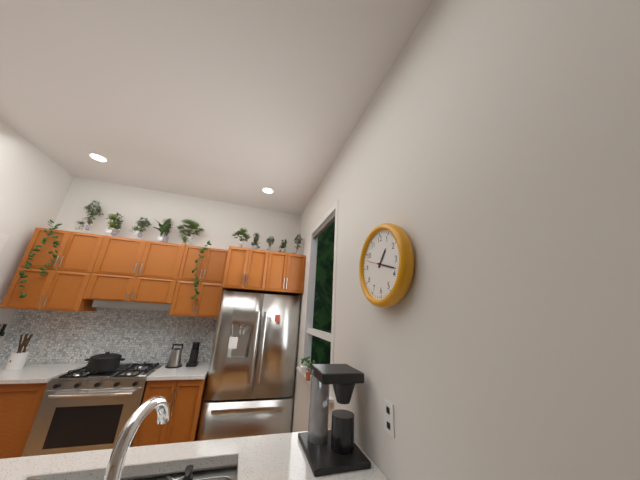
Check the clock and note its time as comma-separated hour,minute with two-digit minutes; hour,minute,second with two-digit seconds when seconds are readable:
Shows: 1,18
